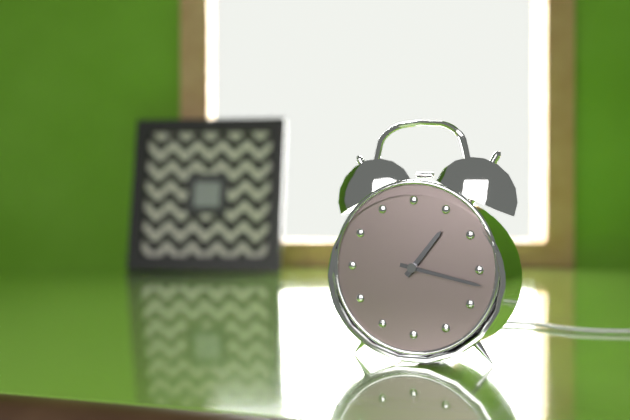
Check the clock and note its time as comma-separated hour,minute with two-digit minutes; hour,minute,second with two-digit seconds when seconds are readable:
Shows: 1,17
